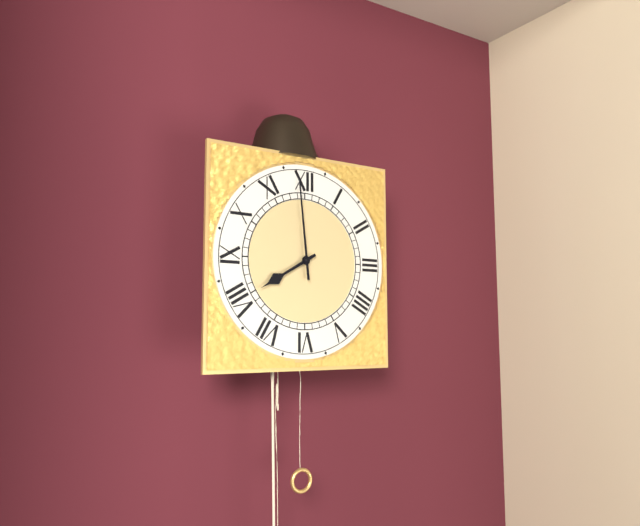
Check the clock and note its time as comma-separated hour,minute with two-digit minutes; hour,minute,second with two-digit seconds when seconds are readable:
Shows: 7,59
